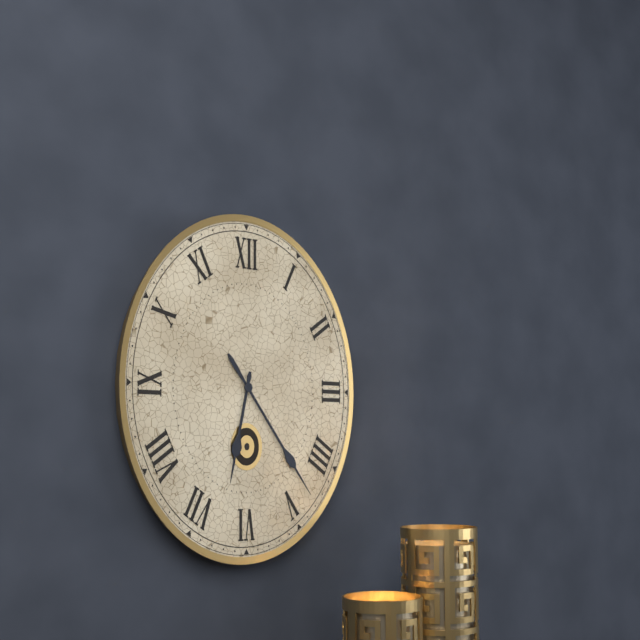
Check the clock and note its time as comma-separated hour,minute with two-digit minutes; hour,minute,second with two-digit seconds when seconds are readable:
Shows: 6,24
